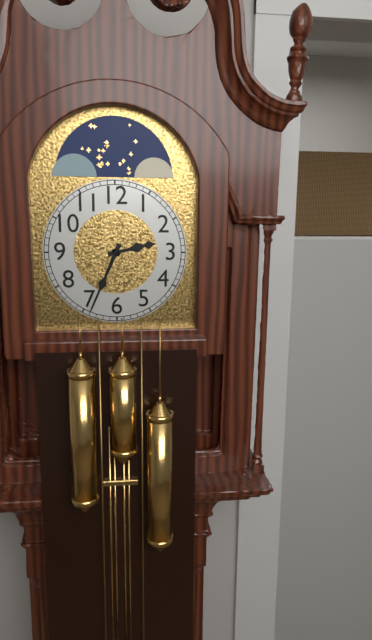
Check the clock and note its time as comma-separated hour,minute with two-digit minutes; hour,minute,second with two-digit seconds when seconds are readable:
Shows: 2,34
